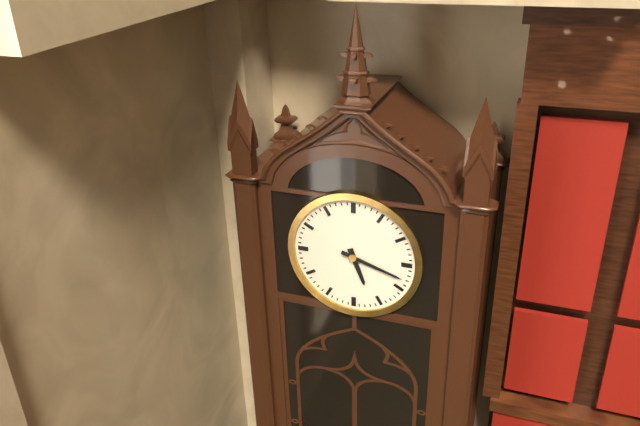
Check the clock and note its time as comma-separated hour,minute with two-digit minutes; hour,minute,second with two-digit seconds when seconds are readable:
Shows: 5,18
